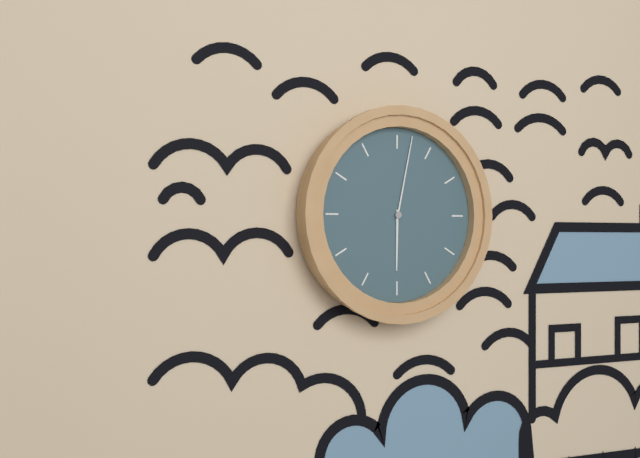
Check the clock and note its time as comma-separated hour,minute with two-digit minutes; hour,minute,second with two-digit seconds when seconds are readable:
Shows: 6,02
